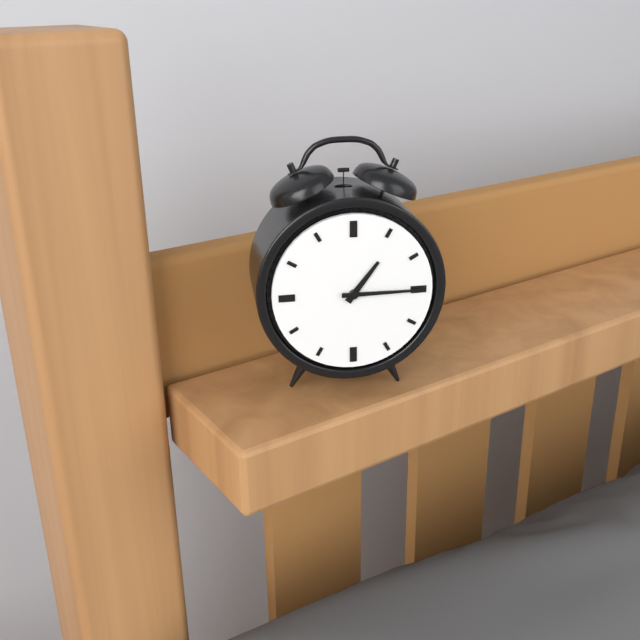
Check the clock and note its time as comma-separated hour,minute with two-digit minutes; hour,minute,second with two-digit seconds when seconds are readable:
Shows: 1,15
